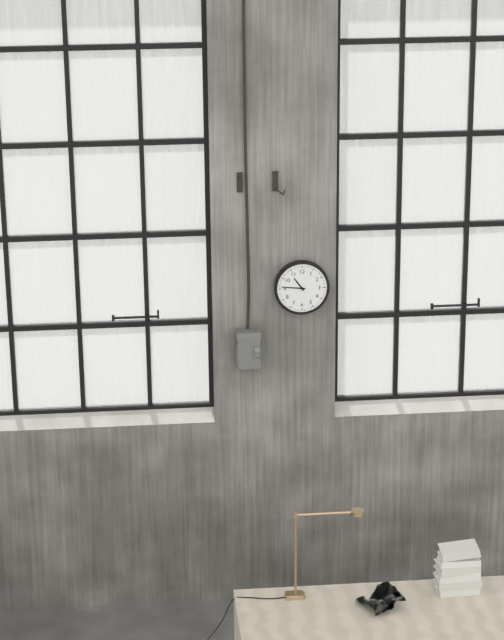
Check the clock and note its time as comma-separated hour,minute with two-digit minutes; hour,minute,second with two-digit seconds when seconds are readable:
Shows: 10,46
